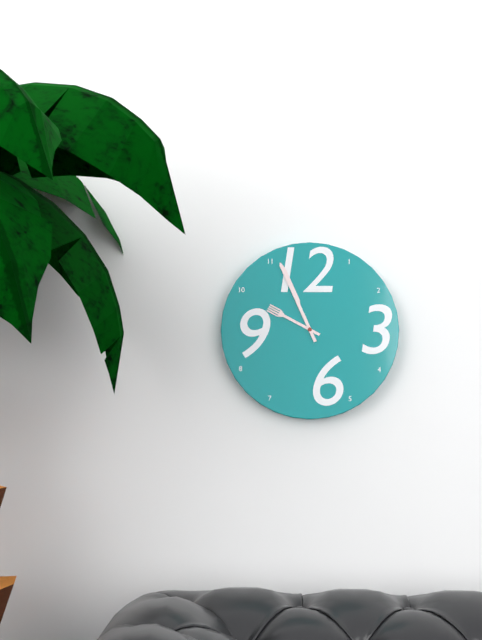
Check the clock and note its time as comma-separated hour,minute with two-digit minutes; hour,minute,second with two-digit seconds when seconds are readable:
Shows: 9,56
